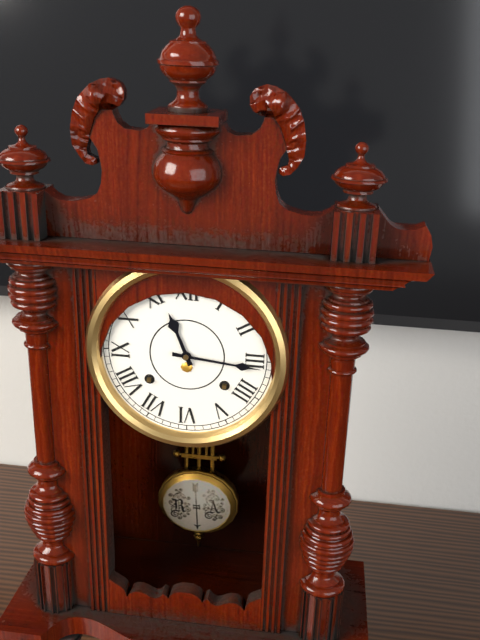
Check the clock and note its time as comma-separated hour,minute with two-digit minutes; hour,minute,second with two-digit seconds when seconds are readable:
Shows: 11,16
